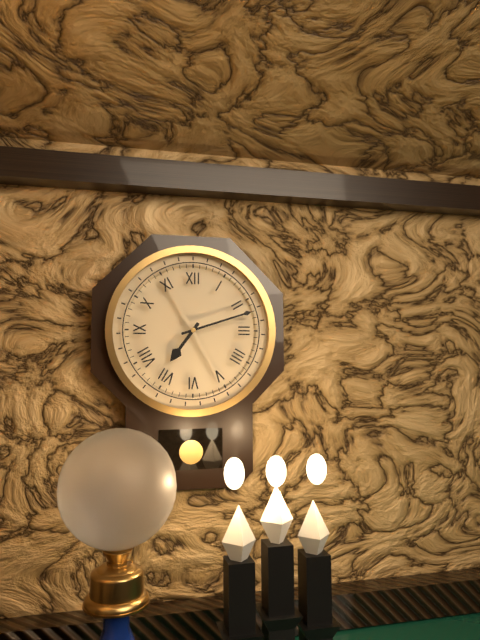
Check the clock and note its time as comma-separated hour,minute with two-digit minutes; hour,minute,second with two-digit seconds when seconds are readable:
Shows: 7,12
